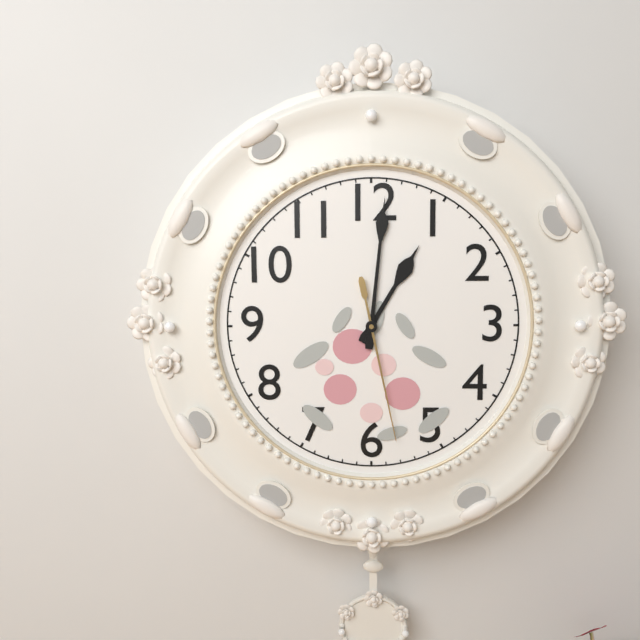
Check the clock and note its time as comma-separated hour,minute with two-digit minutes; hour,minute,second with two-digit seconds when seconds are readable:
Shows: 1,01,28
